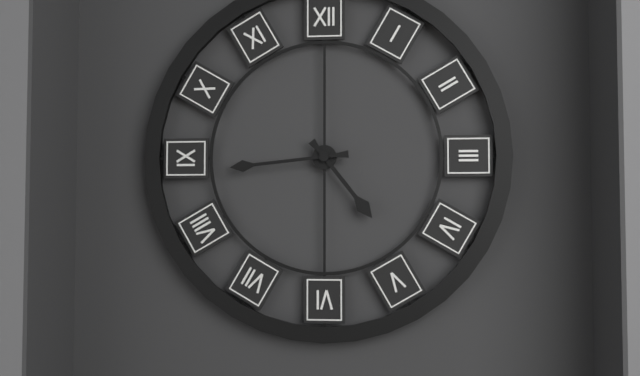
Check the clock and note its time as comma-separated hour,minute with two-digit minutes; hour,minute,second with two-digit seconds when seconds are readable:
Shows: 4,44
